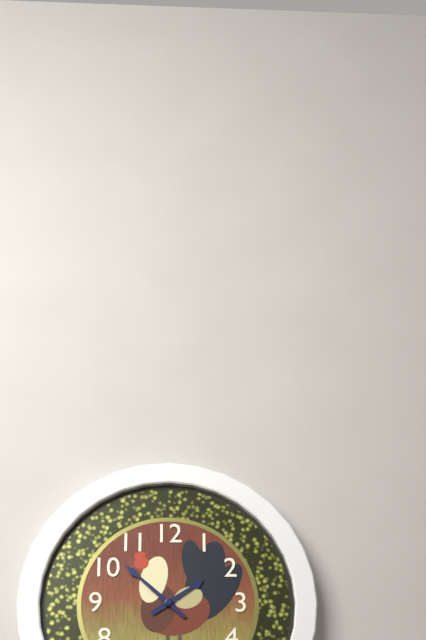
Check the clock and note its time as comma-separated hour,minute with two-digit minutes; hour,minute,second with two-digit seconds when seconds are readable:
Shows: 1,52
